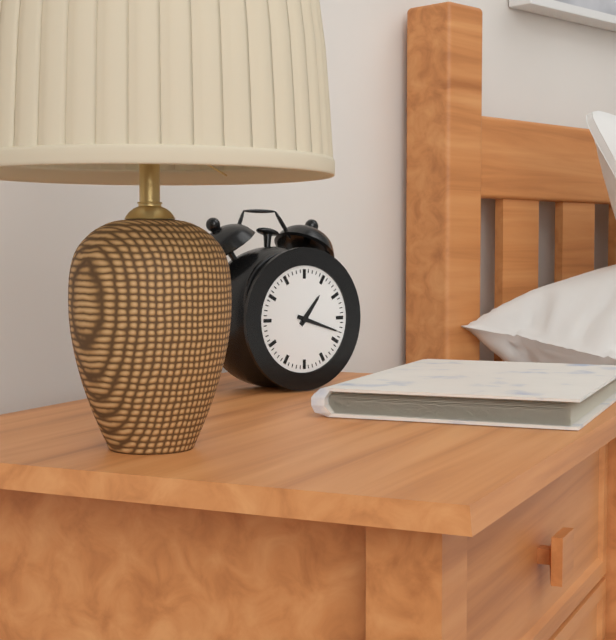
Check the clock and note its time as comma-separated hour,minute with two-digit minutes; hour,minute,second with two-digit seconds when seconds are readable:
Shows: 1,18
